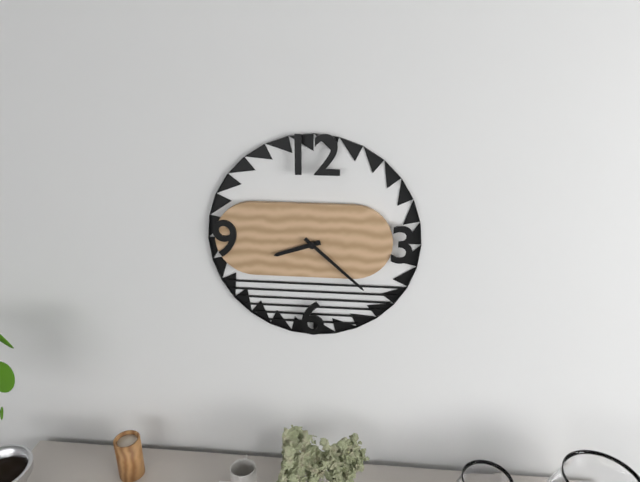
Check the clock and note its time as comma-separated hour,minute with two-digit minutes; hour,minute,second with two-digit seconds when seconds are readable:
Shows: 8,22
